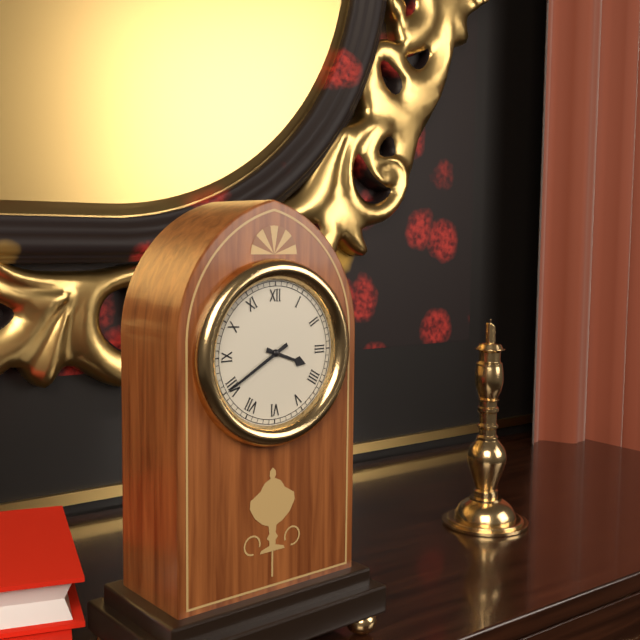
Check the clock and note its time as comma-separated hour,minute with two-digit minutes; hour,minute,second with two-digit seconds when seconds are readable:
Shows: 3,40
